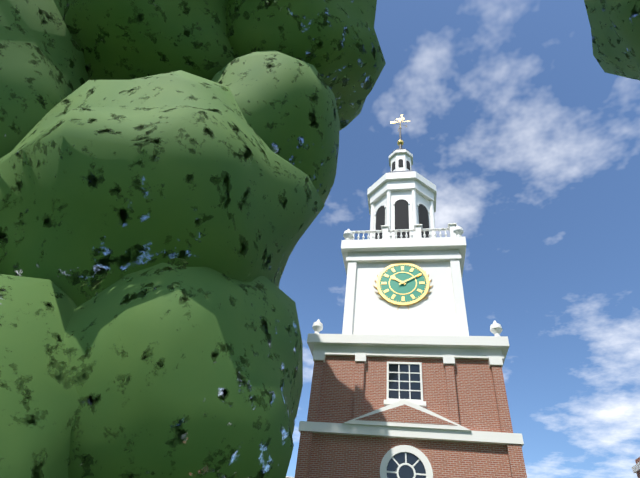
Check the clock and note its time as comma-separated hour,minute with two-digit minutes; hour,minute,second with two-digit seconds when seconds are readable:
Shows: 10,10
